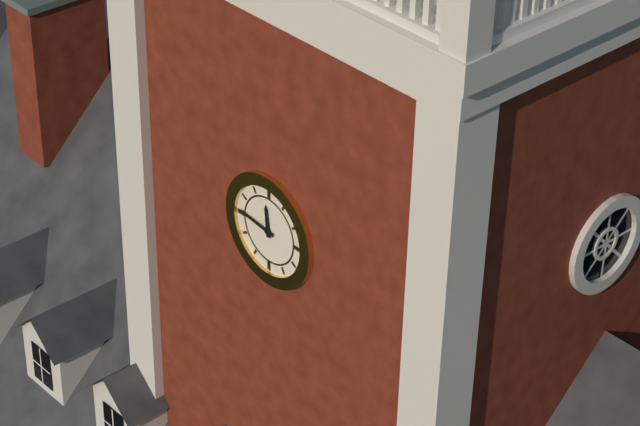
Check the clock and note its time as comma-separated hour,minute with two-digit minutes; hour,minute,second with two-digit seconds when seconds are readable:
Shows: 11,46
